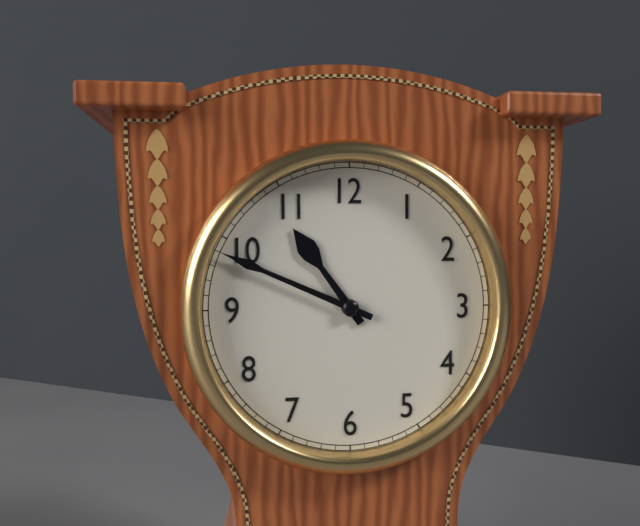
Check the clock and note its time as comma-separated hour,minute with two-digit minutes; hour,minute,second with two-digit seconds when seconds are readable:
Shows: 10,49
